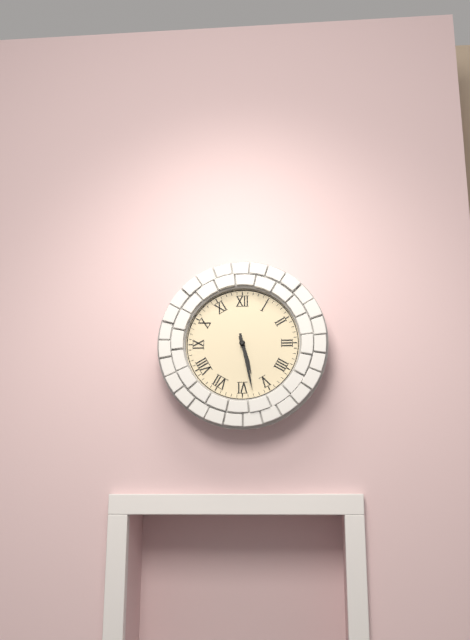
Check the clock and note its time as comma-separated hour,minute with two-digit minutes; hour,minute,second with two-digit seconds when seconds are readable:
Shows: 5,28
